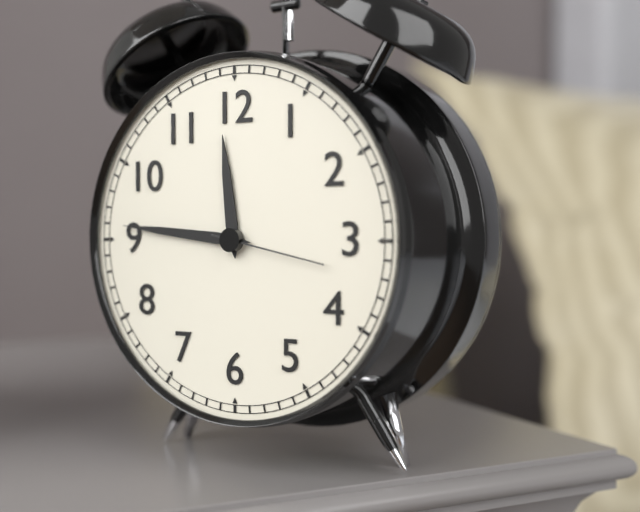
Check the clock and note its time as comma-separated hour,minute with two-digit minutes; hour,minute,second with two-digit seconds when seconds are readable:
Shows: 11,46,17
